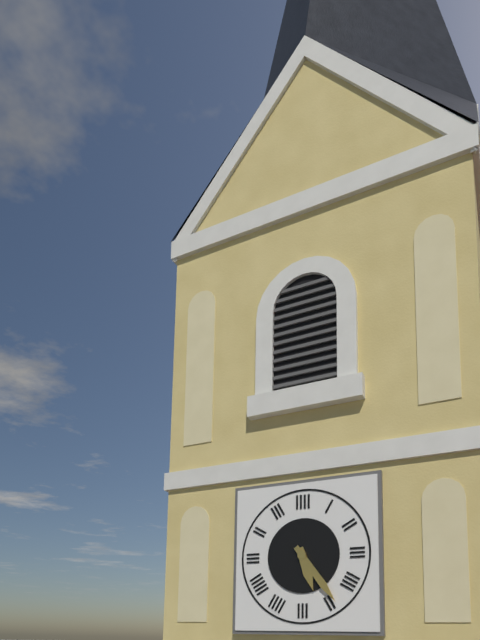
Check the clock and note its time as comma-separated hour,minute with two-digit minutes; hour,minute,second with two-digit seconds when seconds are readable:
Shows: 5,24
